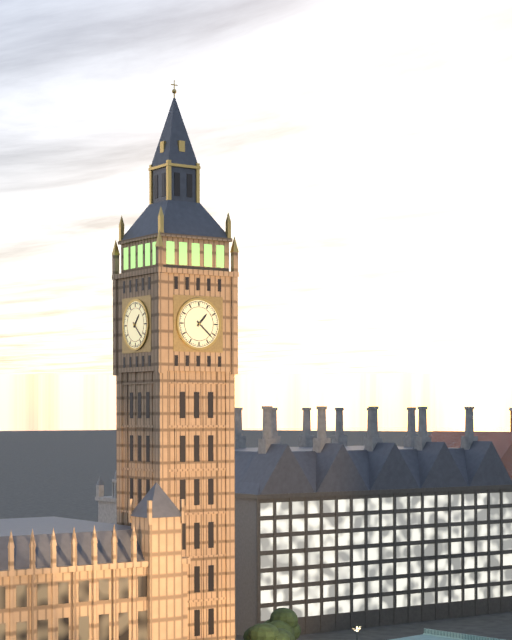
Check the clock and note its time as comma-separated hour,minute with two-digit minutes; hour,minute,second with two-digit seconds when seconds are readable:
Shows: 1,22
